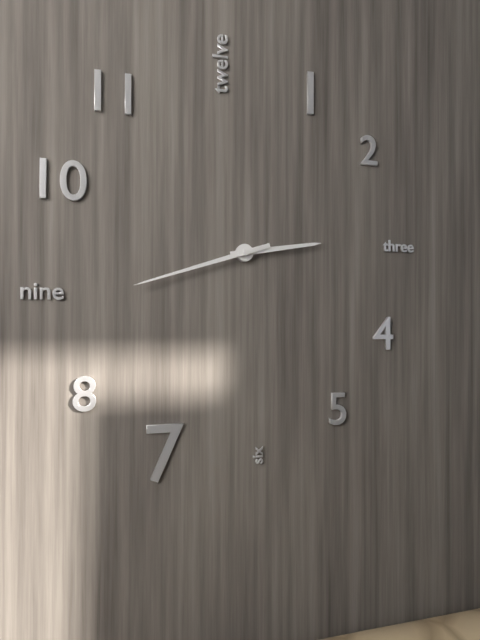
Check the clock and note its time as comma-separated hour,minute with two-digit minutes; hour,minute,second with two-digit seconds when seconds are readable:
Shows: 2,42
